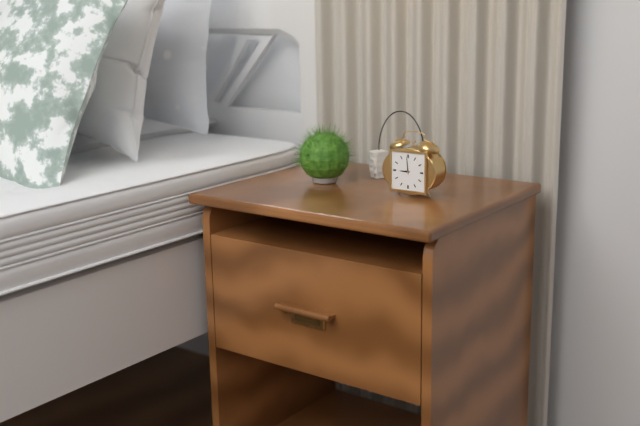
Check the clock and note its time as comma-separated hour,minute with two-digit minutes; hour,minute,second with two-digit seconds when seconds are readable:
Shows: 8,59
